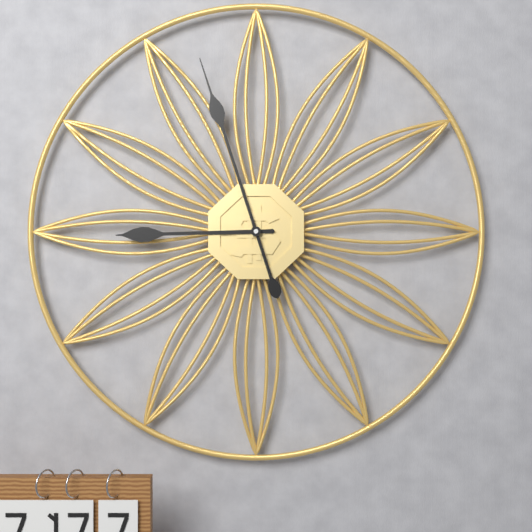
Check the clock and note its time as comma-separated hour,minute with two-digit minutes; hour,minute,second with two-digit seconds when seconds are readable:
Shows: 8,57
